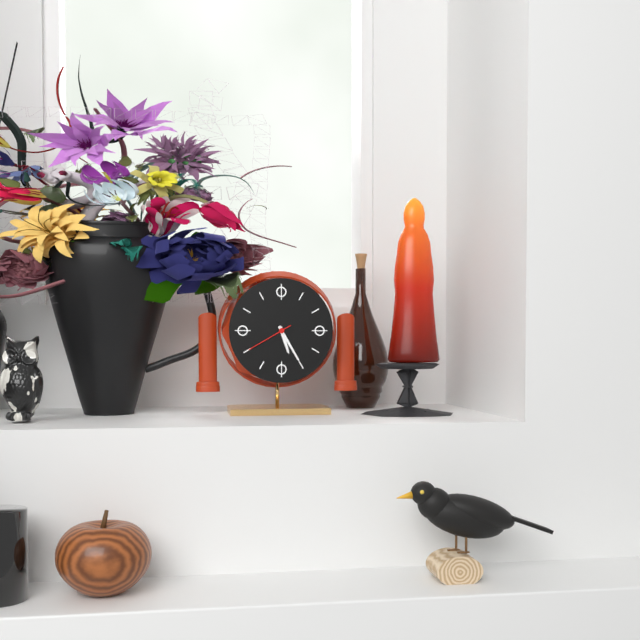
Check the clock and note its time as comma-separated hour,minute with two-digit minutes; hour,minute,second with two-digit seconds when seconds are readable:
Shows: 5,25
